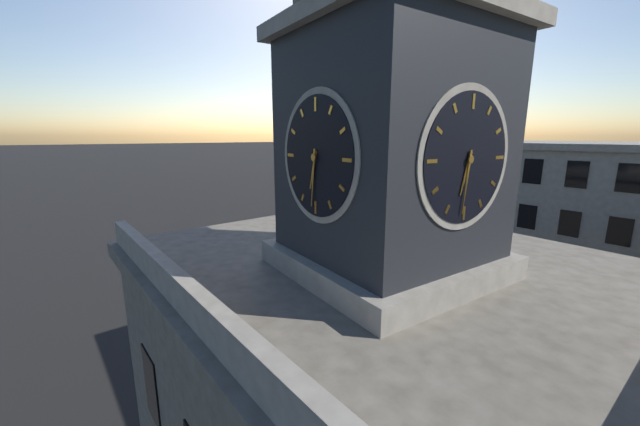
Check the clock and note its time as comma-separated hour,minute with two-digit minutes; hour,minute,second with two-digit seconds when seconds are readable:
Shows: 6,31
